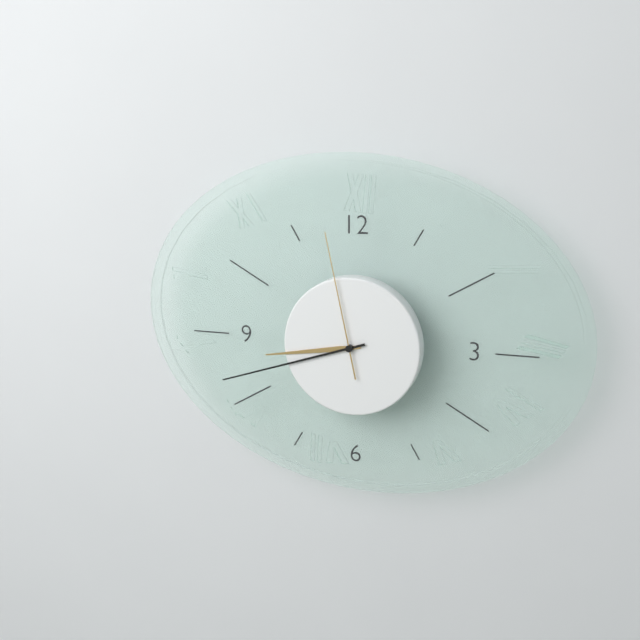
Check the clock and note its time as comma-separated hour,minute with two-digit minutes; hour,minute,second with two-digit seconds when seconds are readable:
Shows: 8,42,58
